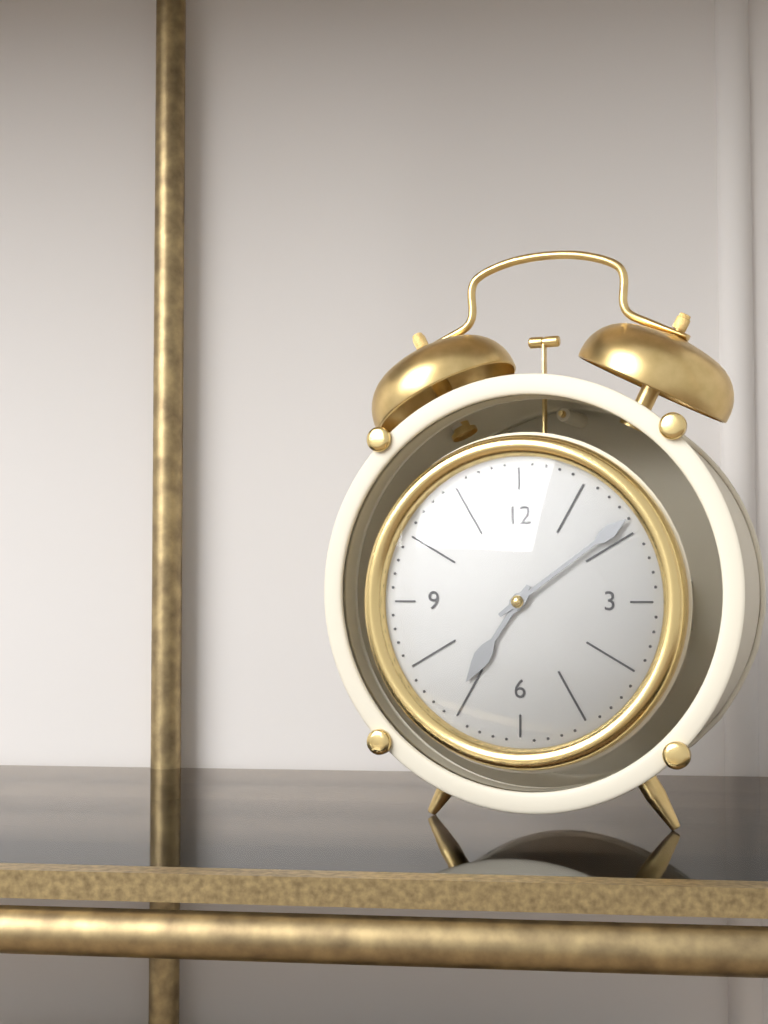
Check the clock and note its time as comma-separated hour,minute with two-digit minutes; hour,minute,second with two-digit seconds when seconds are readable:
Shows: 7,09
